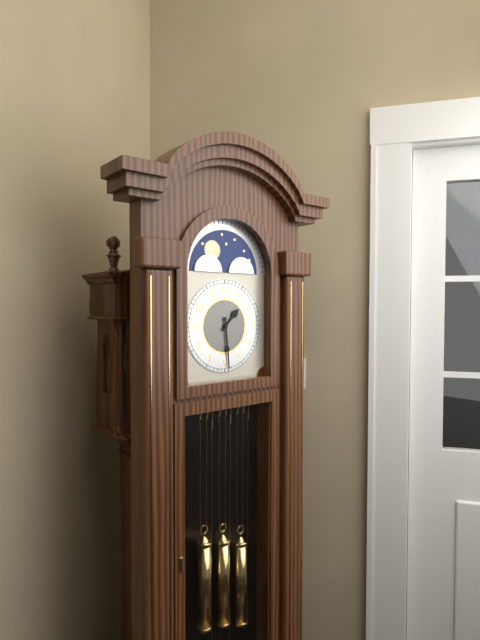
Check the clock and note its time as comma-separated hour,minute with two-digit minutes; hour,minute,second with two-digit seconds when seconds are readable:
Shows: 1,29
